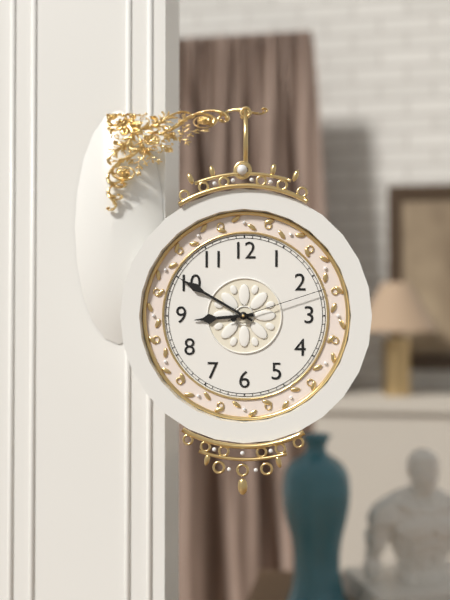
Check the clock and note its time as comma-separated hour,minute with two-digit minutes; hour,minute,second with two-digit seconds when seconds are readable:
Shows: 8,50,12
